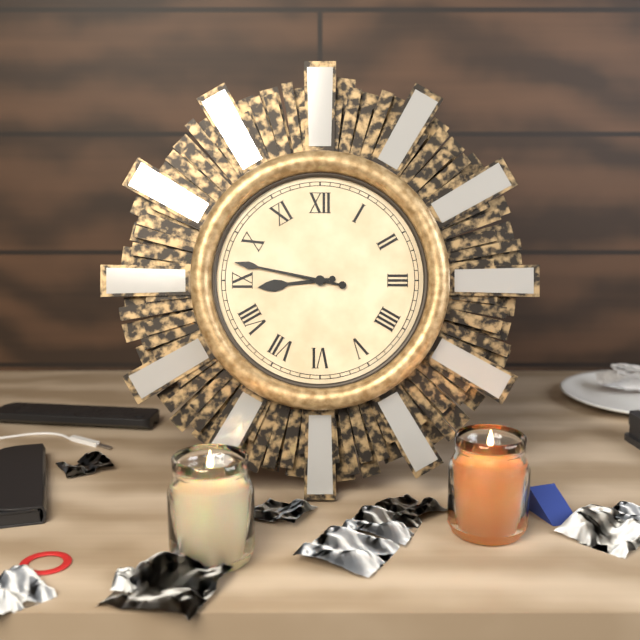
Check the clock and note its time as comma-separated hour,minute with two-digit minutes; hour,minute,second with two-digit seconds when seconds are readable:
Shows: 8,47
